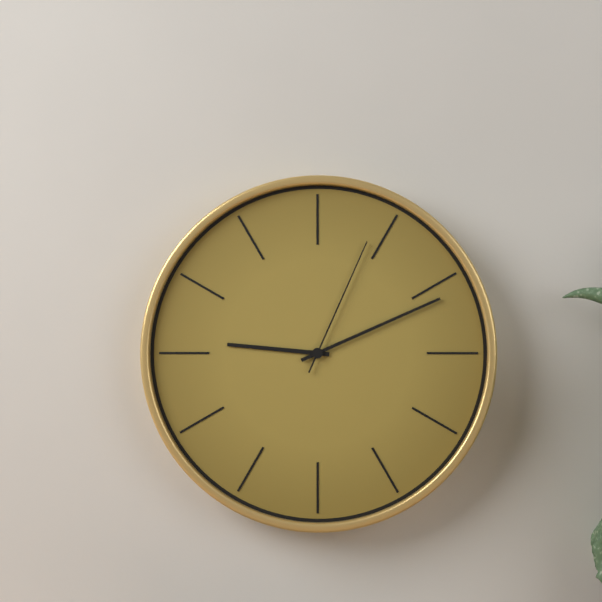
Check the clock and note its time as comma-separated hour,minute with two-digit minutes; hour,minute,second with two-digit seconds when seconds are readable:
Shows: 9,11,04
